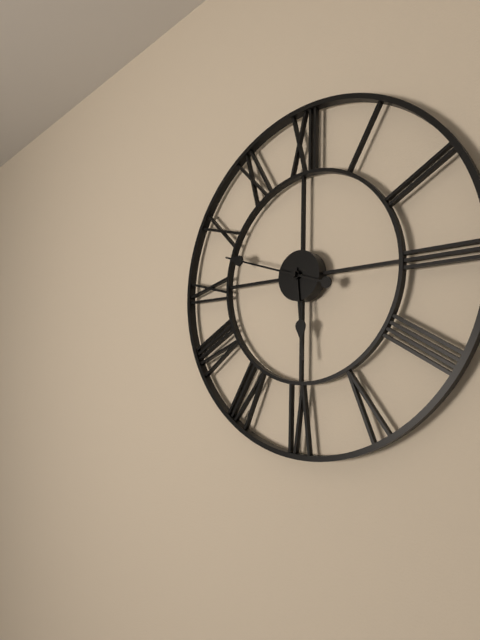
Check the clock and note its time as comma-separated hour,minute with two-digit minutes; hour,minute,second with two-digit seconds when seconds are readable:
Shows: 5,48
